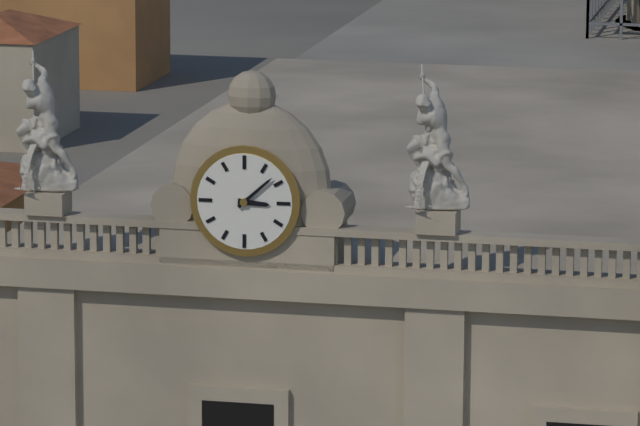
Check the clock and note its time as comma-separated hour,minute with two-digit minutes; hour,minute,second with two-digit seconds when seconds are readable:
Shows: 3,08
